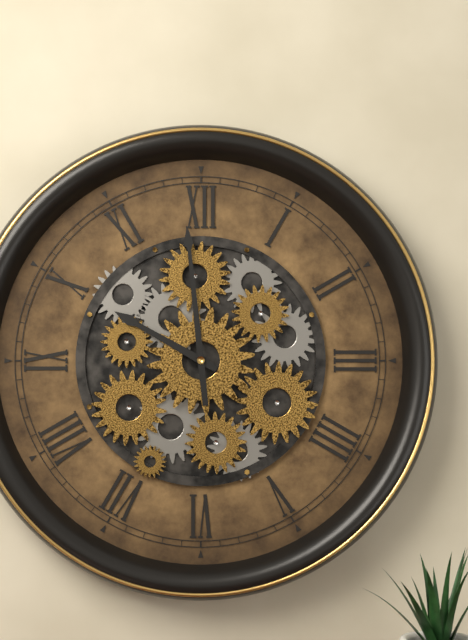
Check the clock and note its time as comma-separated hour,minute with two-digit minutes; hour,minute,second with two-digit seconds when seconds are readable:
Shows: 9,59
